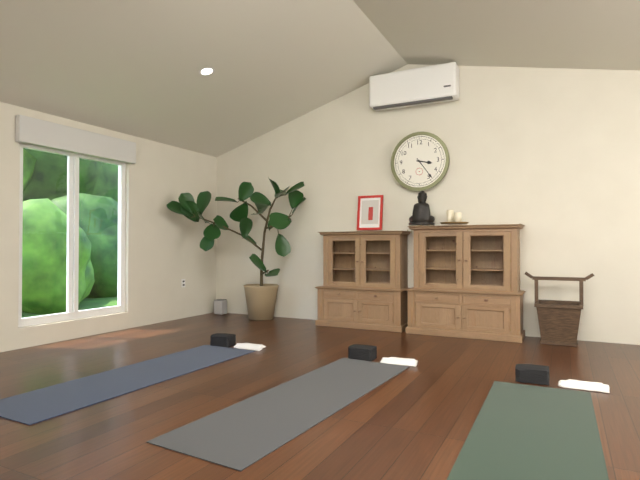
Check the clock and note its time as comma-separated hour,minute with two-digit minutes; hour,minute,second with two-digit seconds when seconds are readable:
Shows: 3,24
